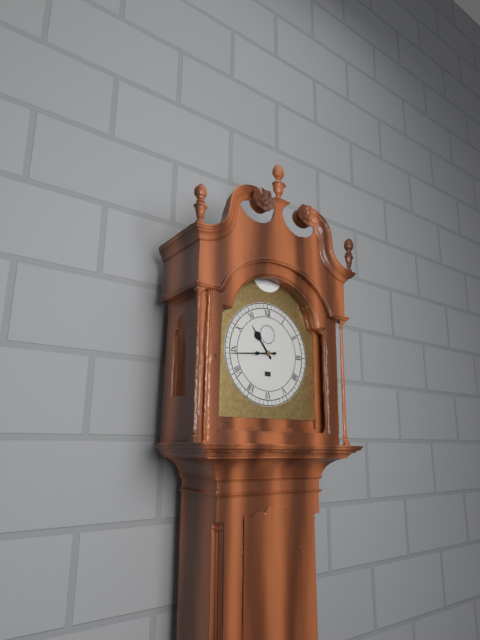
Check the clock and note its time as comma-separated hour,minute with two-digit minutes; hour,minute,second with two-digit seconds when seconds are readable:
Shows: 10,44
